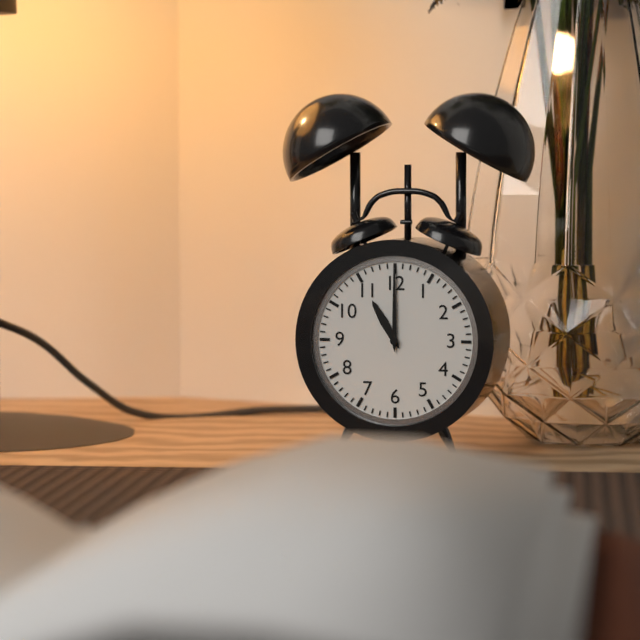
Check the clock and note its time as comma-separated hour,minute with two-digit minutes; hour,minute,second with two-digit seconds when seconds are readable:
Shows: 11,00
